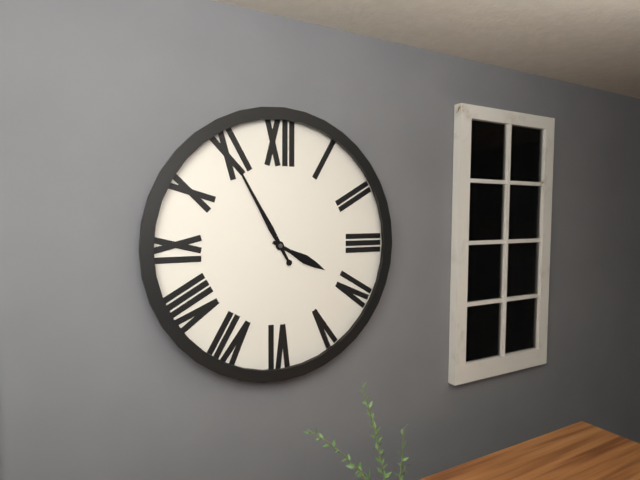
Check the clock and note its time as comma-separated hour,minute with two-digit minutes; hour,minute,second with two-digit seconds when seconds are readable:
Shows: 3,55
